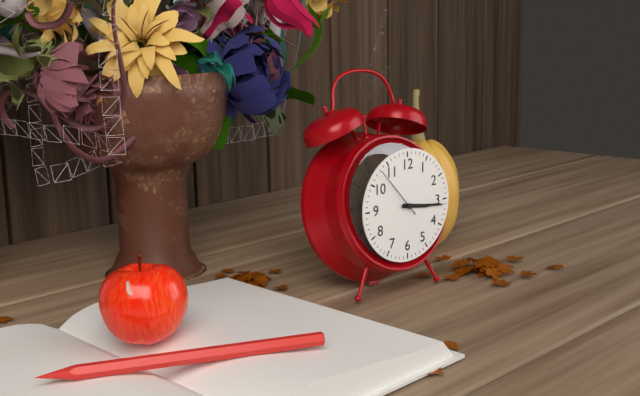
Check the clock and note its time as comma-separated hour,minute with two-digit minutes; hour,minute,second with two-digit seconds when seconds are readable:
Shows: 3,16,53
